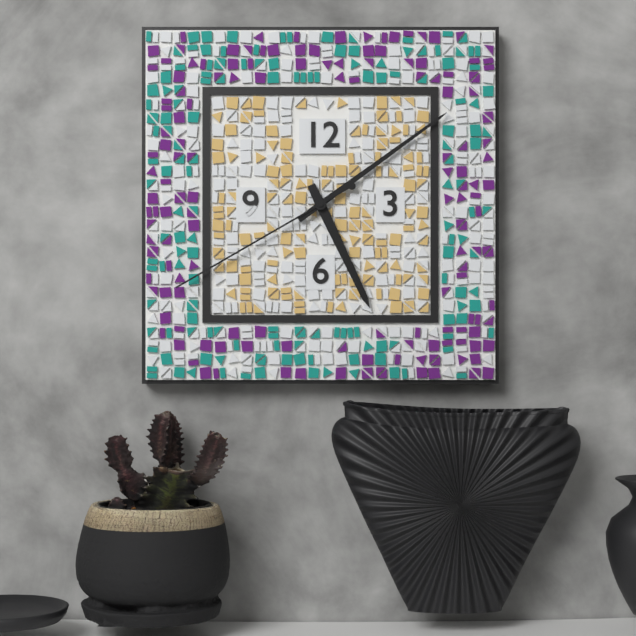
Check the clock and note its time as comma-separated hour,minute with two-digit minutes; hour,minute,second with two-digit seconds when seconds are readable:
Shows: 5,09,40
